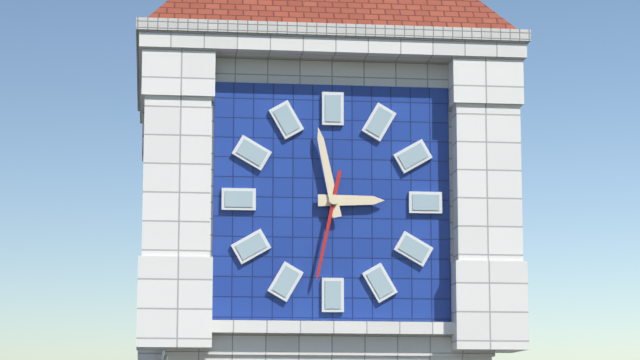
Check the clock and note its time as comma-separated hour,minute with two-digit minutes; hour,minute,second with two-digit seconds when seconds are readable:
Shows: 2,58,32
